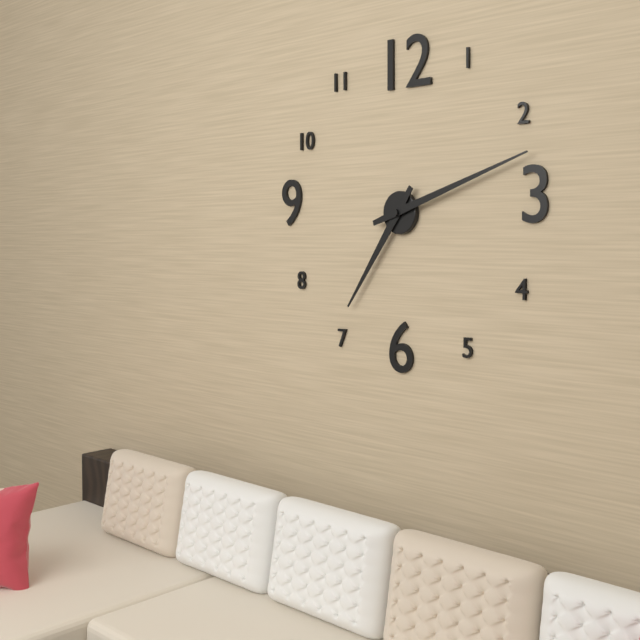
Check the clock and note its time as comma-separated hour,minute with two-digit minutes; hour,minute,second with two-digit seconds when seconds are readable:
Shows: 7,12
